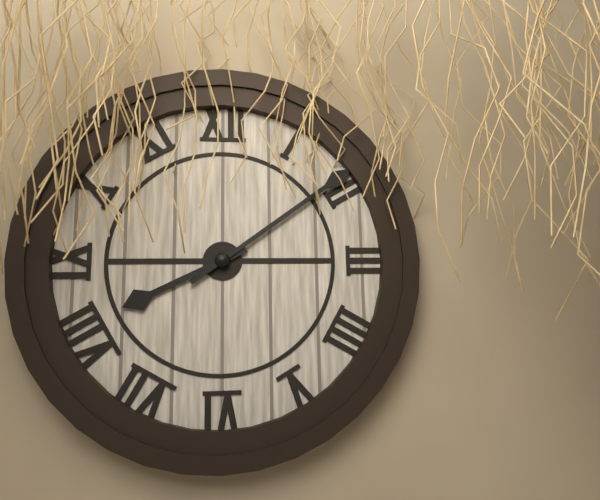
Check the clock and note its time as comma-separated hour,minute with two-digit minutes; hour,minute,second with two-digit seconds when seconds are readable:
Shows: 8,09
